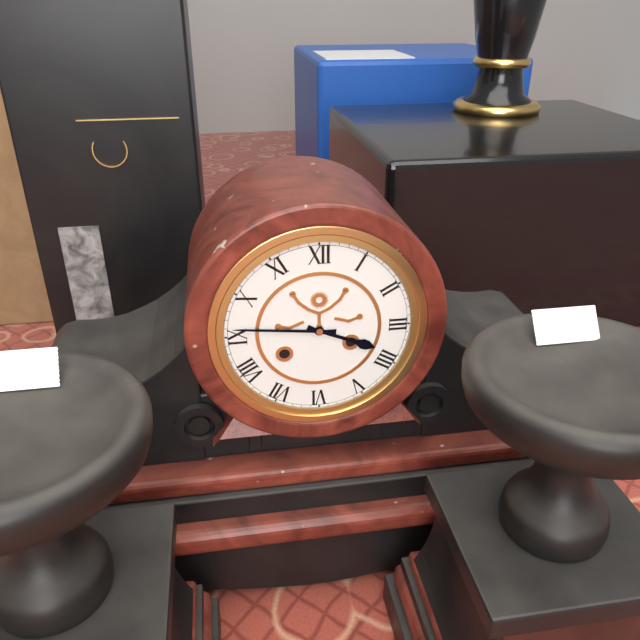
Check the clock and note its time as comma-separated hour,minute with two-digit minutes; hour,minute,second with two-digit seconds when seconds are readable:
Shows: 3,46
